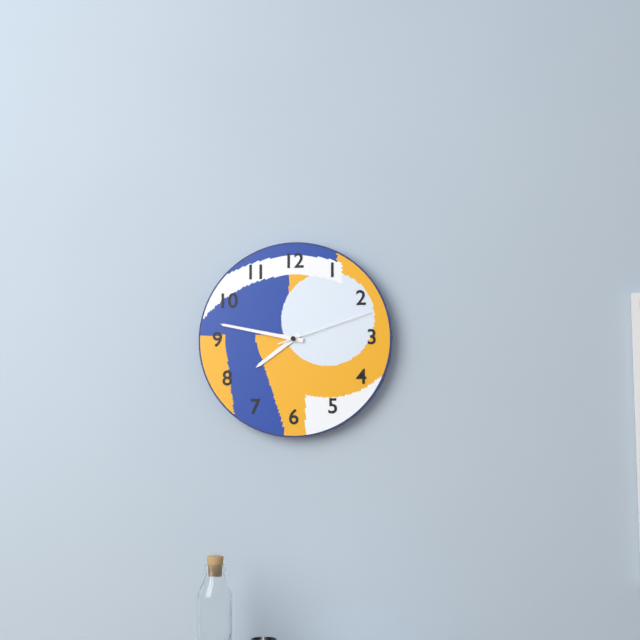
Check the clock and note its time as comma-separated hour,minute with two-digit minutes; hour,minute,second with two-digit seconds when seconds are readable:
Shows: 7,47,12
